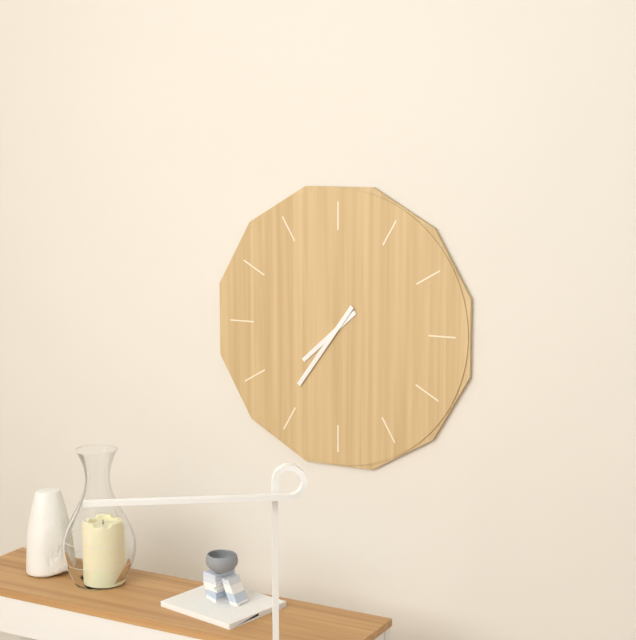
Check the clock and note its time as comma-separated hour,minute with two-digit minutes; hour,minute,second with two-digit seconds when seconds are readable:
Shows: 7,36
